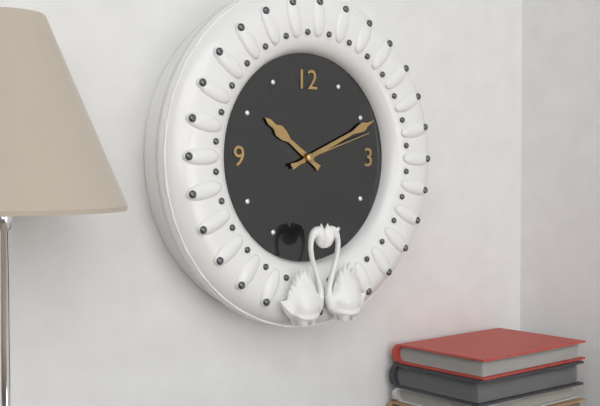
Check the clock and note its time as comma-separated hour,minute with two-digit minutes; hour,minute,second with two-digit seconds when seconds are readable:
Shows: 10,11,12
